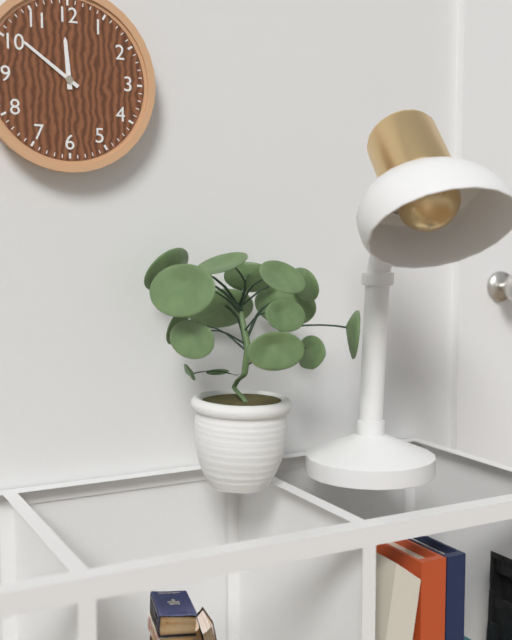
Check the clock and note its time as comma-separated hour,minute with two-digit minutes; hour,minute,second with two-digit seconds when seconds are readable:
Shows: 11,51
